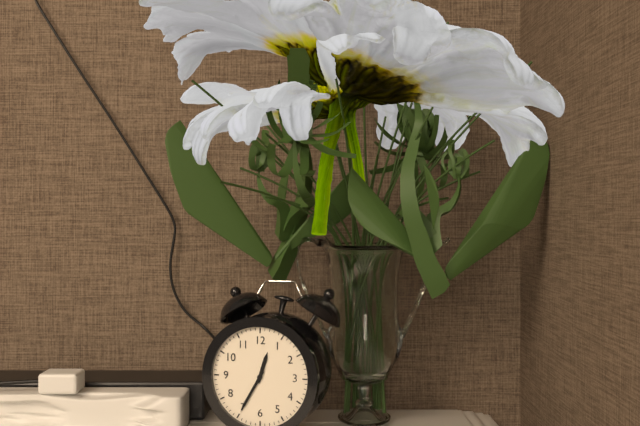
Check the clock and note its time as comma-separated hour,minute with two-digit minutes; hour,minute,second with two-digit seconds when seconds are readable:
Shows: 12,35
